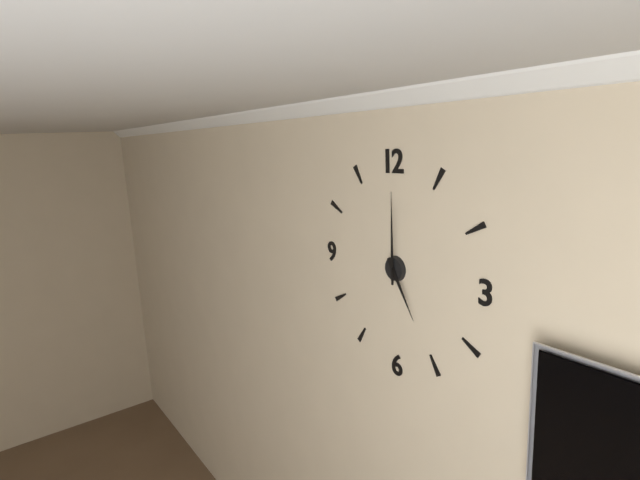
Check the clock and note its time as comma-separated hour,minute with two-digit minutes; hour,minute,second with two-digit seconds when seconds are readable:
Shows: 5,00
